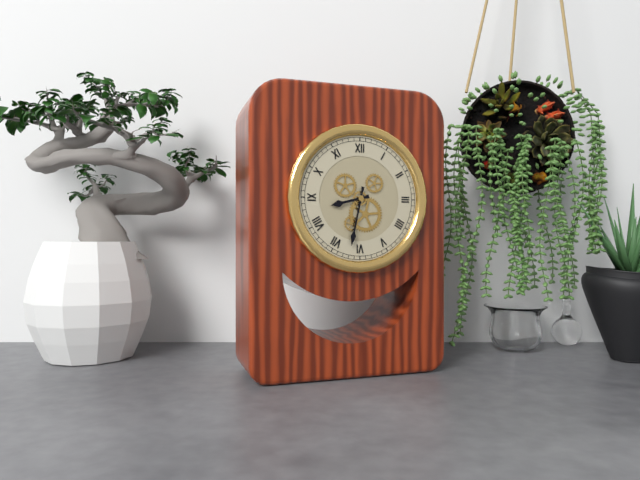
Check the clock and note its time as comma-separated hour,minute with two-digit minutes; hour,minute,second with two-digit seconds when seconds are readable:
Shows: 8,32
